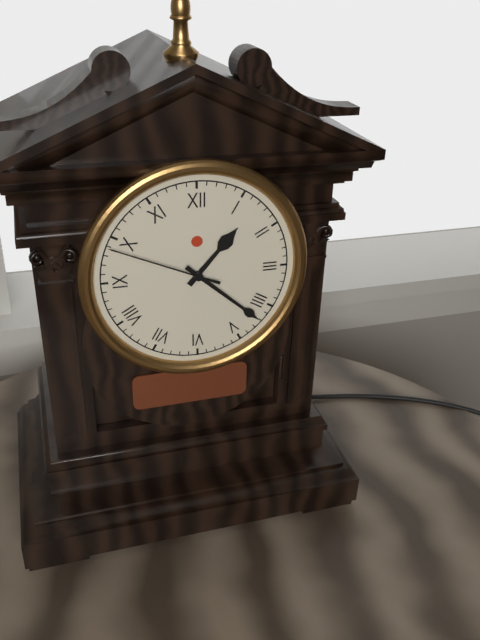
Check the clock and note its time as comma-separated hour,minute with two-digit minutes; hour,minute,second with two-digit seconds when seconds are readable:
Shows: 1,22,49
